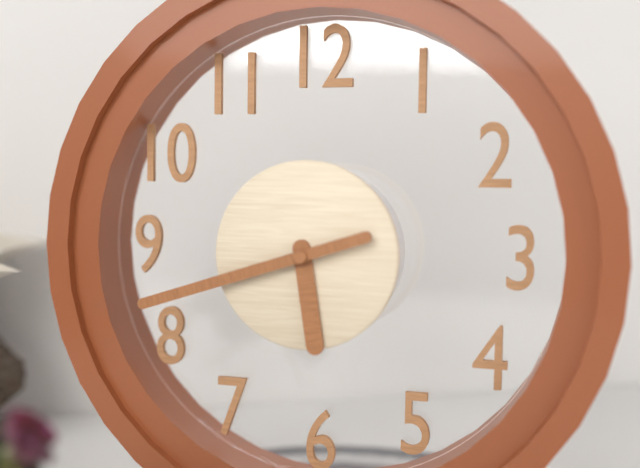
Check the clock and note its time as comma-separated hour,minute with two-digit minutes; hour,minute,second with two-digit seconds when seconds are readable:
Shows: 5,42
